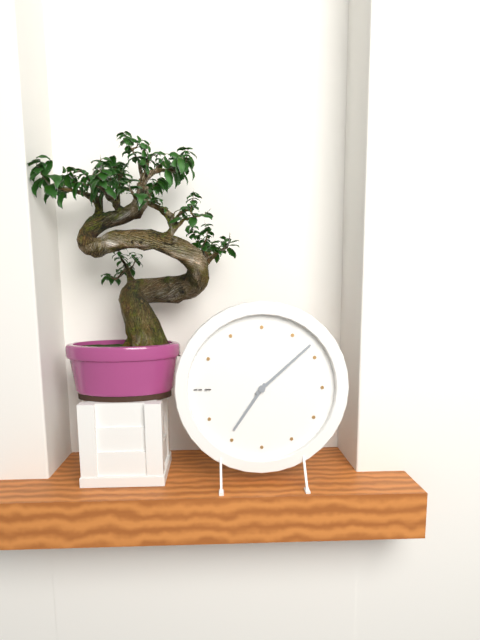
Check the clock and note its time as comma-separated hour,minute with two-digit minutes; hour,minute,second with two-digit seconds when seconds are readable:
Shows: 7,08
